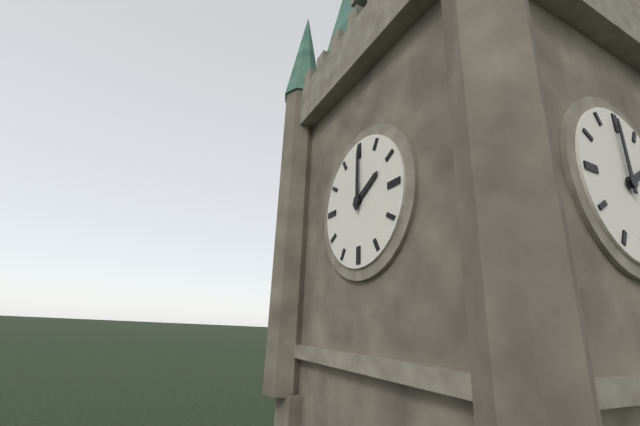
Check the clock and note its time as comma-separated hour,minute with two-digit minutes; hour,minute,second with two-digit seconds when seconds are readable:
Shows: 2,00
